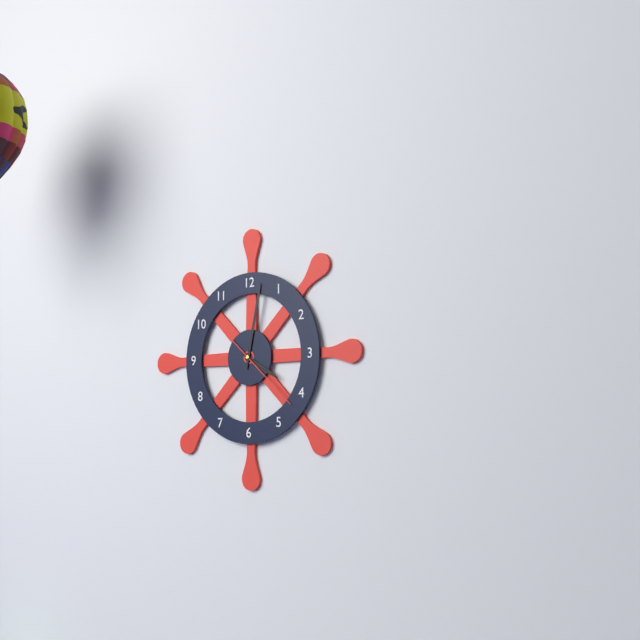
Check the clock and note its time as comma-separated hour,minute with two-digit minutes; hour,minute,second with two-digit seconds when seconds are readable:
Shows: 4,02,22
